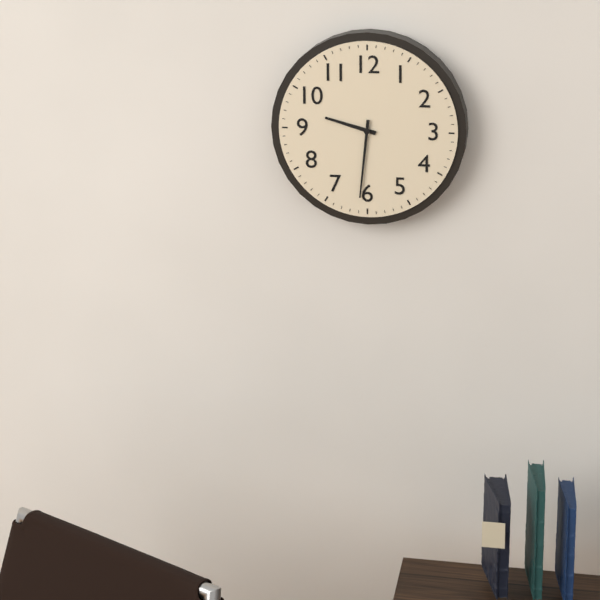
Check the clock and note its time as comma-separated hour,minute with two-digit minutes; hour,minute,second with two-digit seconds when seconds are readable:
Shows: 9,31
